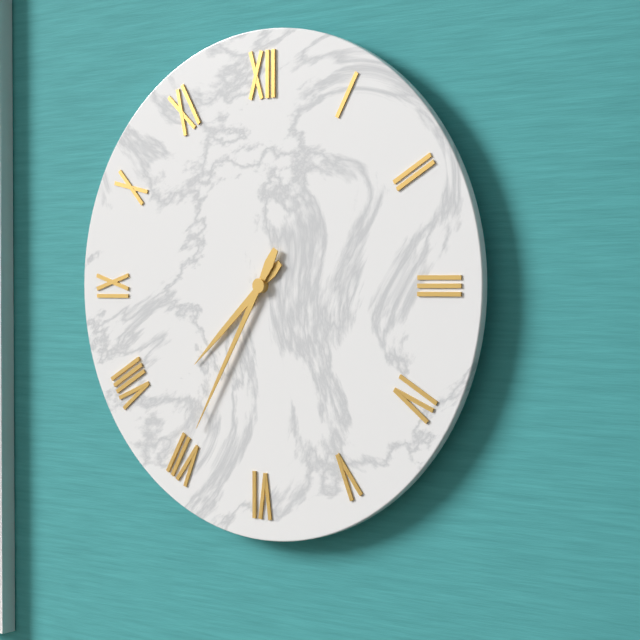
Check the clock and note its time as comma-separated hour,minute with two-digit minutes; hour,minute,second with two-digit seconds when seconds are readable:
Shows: 7,35
